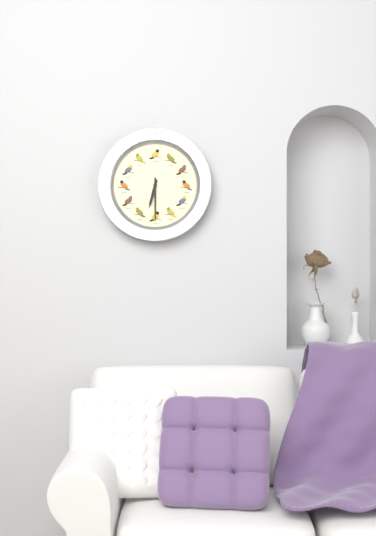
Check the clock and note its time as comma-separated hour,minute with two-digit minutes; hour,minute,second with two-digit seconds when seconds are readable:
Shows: 6,30
